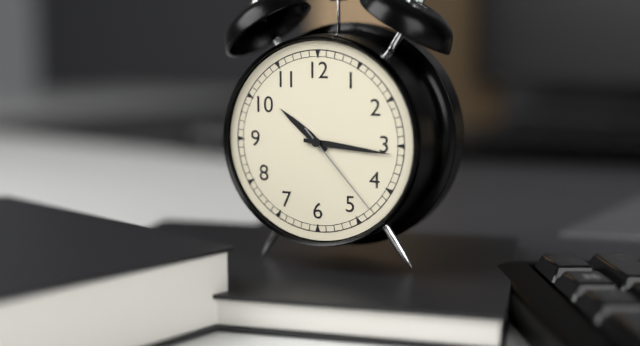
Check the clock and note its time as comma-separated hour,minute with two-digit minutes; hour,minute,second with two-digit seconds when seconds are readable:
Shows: 10,16,23
